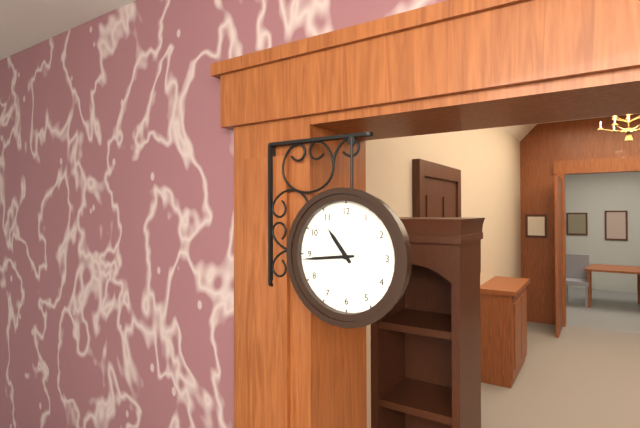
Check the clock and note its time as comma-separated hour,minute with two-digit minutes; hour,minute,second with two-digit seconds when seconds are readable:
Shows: 10,44
